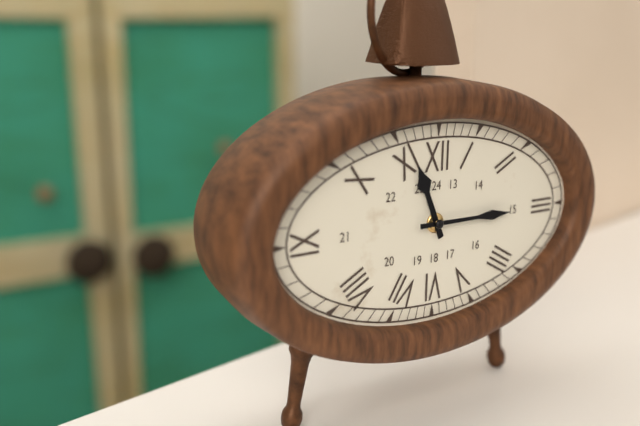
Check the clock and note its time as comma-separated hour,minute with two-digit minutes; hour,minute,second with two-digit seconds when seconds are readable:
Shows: 11,15
